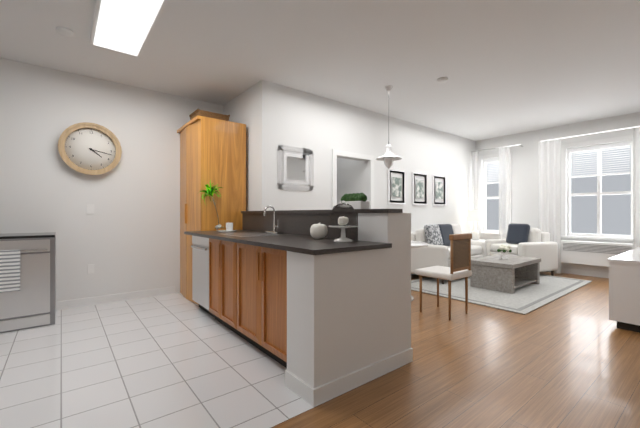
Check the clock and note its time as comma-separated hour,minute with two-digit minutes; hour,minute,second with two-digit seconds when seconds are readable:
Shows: 4,17
